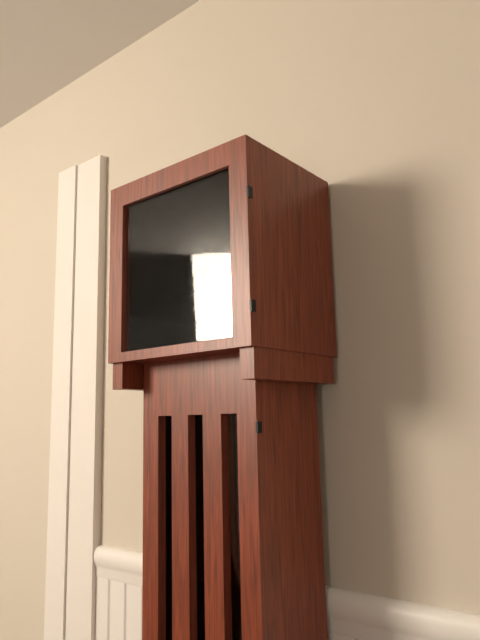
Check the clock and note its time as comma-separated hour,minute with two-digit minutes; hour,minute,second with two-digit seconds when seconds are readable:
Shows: 9,54
